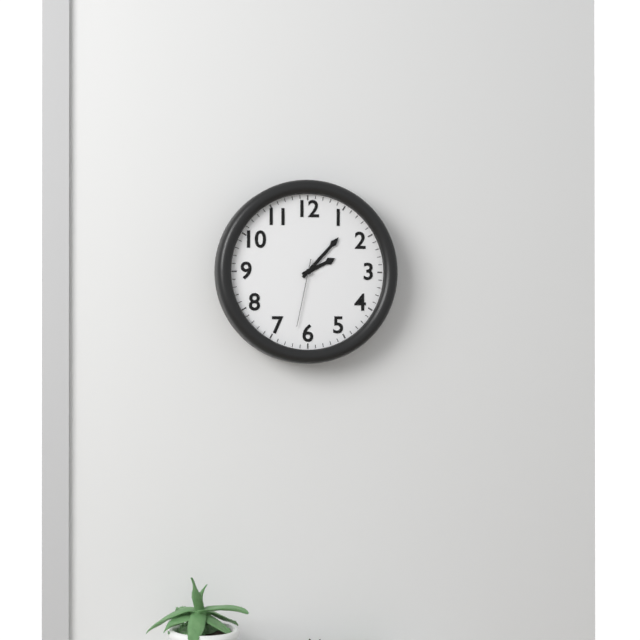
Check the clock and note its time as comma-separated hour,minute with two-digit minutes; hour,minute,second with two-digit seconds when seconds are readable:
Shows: 2,07,32
